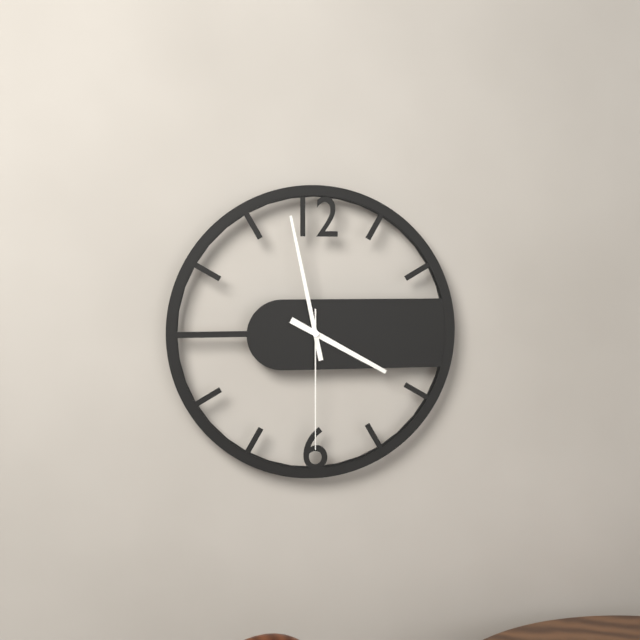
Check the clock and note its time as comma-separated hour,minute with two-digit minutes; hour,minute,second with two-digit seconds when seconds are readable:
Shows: 3,58,30
